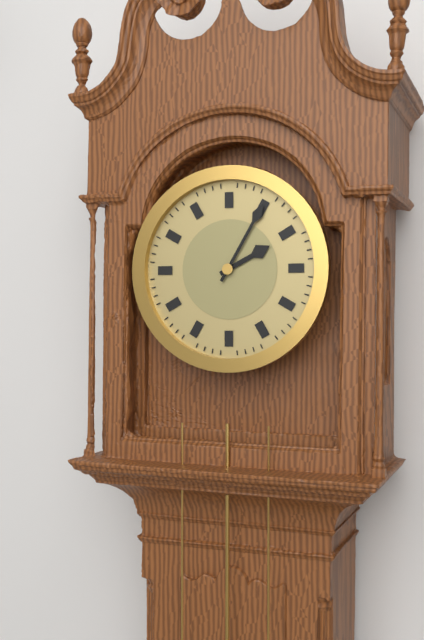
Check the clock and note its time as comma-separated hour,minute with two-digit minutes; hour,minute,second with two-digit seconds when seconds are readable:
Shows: 2,05
